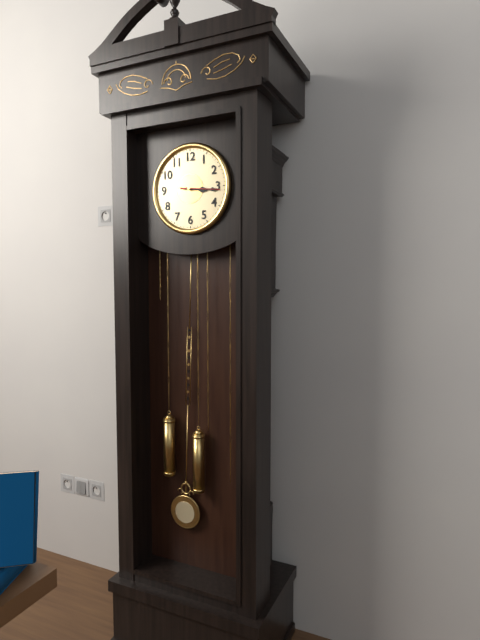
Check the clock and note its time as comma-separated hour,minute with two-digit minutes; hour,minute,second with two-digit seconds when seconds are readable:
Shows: 3,16
